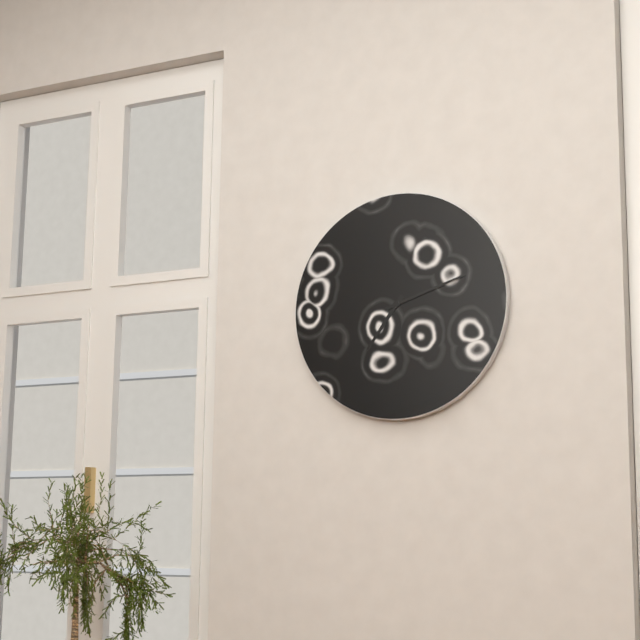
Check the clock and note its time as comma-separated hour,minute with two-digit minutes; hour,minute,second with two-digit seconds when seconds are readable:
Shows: 7,12
